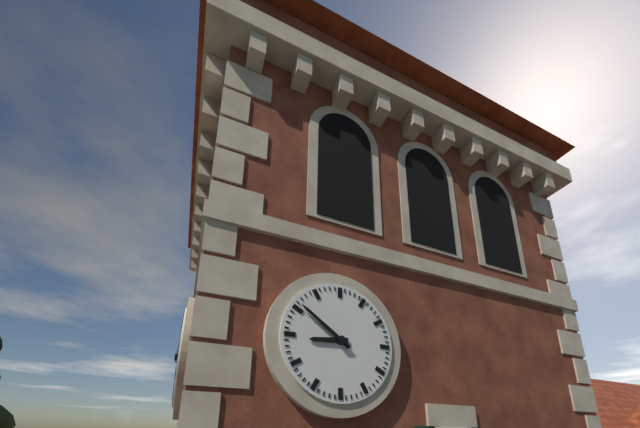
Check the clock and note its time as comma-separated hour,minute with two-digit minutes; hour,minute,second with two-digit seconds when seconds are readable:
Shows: 8,51
